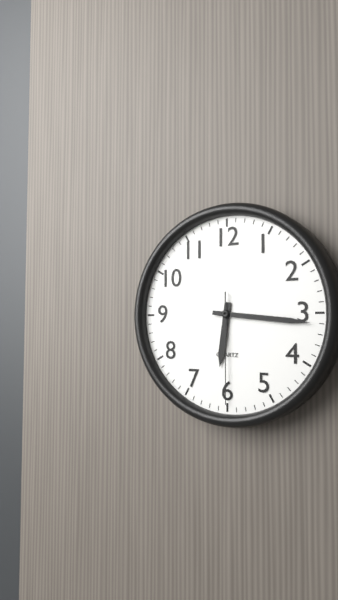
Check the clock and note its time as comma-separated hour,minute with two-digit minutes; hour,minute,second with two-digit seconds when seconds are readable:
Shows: 6,16,30
